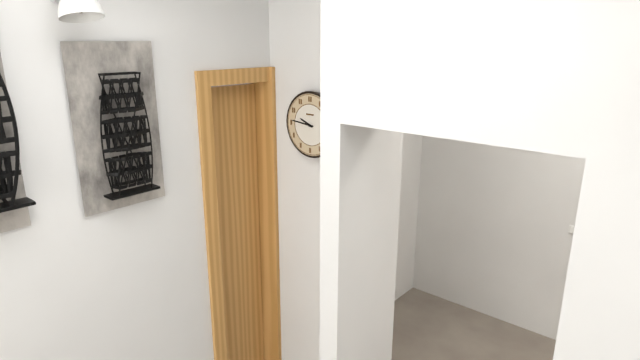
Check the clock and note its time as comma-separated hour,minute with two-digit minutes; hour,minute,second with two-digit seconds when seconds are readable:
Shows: 9,46
